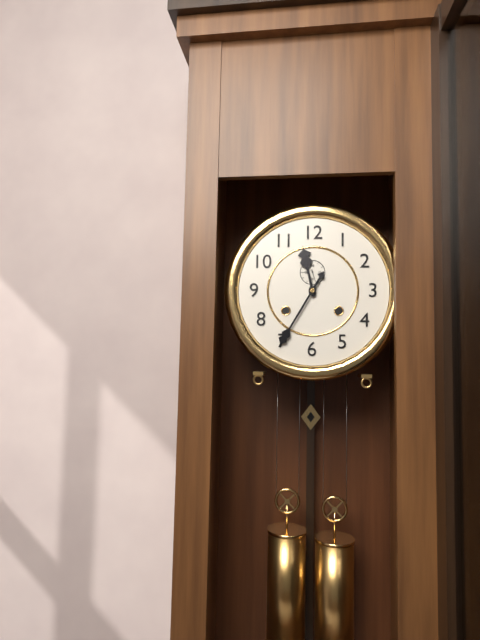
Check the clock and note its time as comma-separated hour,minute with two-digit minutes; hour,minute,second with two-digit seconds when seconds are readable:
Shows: 11,35
